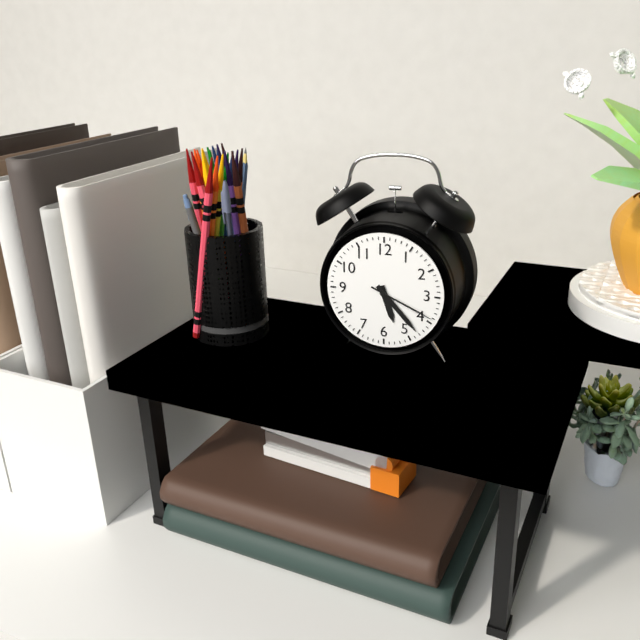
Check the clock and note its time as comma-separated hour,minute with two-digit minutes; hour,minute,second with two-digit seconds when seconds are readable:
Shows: 5,23,19
